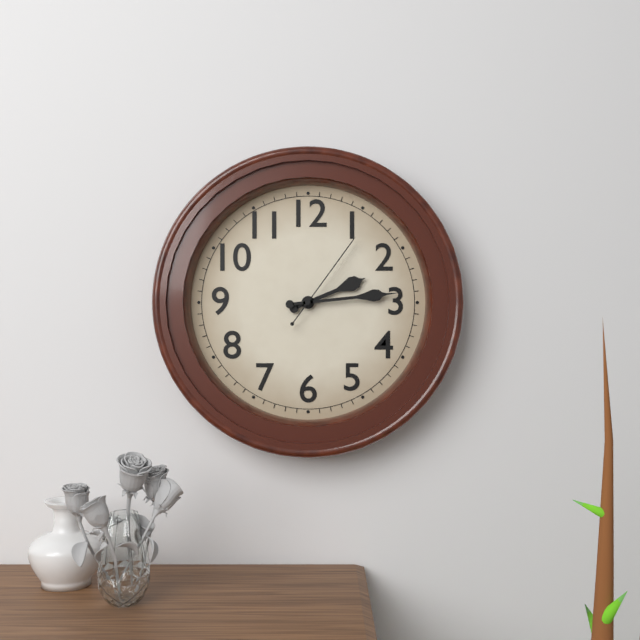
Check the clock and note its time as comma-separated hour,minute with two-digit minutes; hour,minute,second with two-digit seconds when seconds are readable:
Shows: 2,14,06
